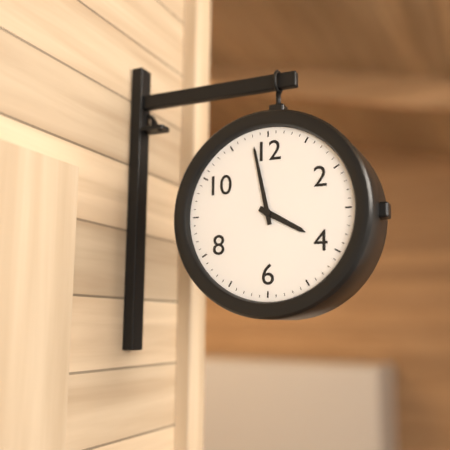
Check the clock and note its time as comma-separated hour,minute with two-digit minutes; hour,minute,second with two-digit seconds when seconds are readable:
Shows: 3,58
